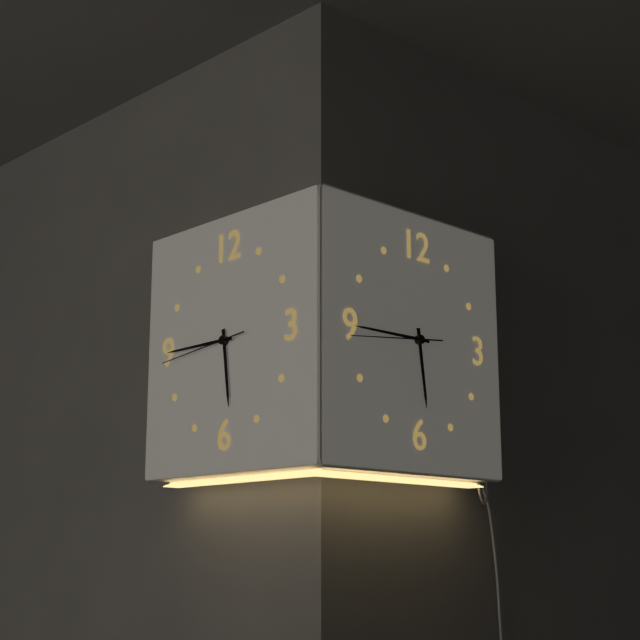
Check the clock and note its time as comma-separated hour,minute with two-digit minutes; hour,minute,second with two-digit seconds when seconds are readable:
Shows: 5,45,44
